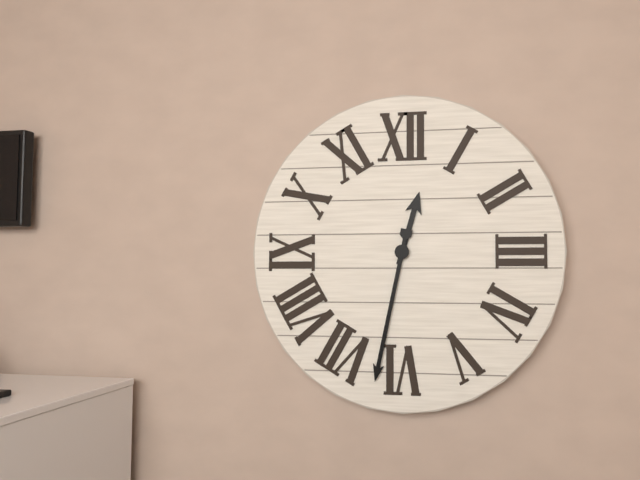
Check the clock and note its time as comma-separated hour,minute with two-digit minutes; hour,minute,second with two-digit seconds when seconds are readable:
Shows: 12,32
